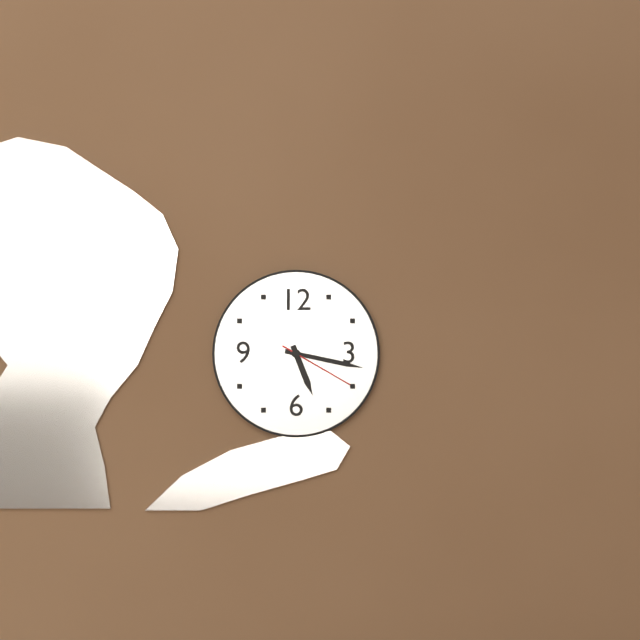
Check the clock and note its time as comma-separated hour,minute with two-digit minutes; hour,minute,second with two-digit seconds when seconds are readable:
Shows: 5,17,20
